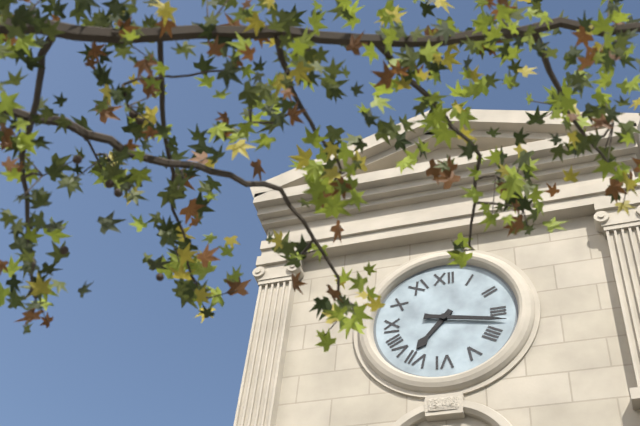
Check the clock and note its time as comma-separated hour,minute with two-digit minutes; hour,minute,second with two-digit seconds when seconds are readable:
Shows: 7,17
